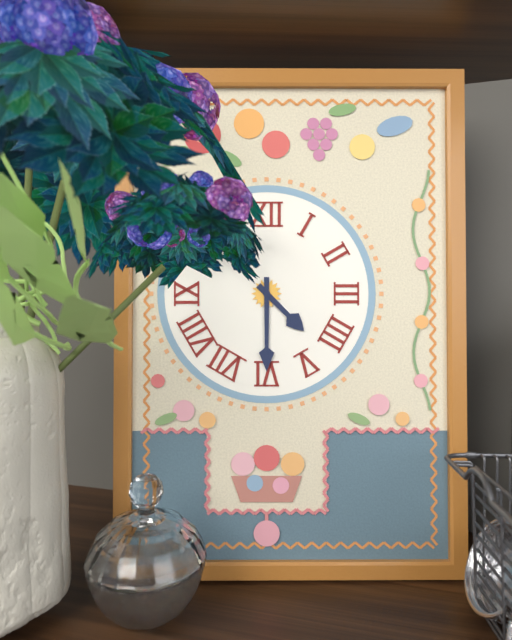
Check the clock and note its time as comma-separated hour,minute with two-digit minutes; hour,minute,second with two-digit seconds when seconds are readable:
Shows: 4,30
